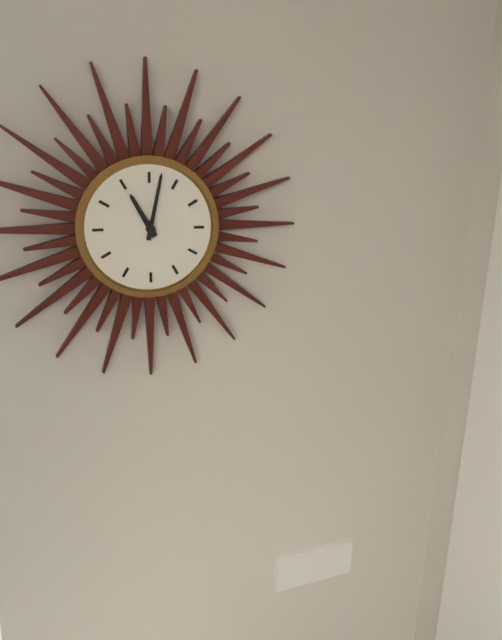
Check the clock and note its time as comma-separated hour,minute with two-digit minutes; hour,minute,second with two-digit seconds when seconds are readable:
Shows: 11,02
